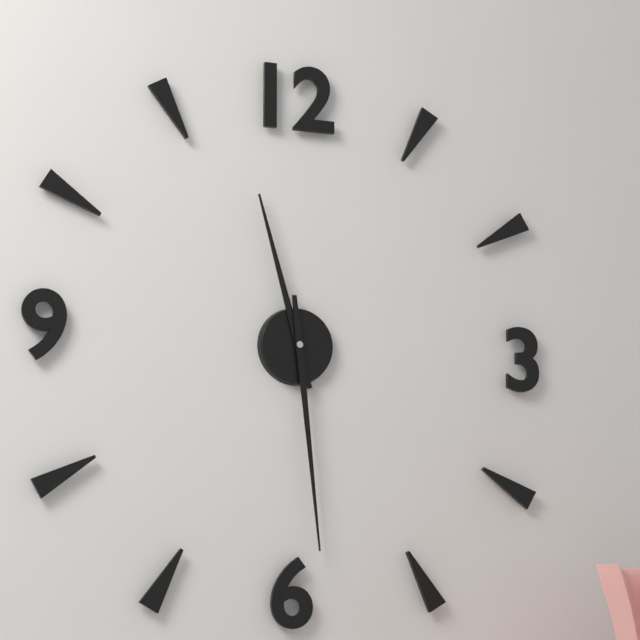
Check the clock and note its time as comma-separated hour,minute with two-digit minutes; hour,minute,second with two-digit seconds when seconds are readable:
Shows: 11,29
